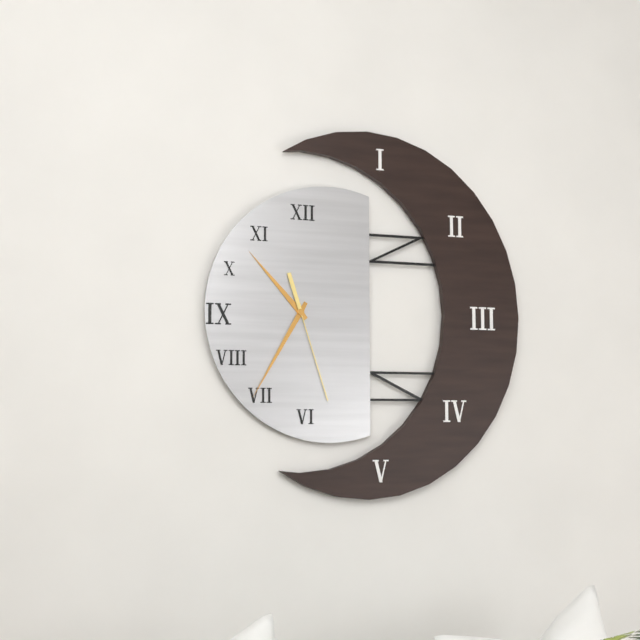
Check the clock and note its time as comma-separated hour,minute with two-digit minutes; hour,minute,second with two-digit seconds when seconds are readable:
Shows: 10,35,27
